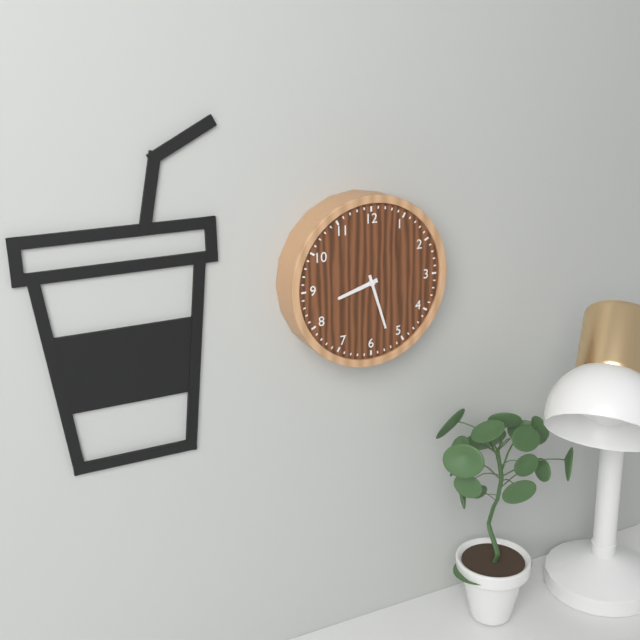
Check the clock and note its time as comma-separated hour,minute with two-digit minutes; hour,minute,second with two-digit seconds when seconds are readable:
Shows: 8,27
